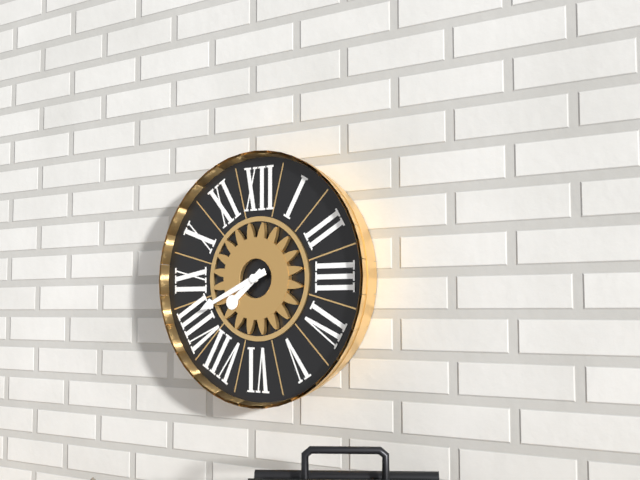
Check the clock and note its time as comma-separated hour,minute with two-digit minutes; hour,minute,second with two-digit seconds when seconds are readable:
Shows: 7,41
